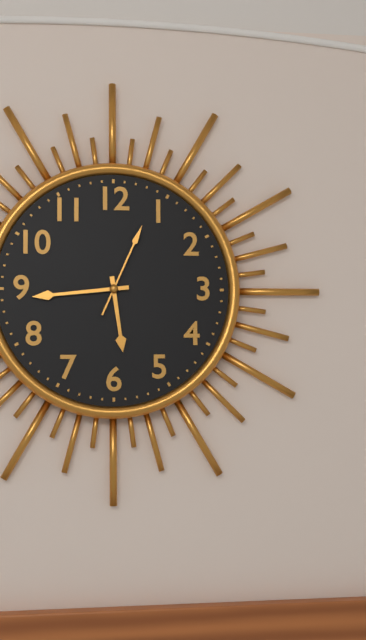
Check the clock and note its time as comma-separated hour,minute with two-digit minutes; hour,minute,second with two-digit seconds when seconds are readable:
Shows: 5,44,04
